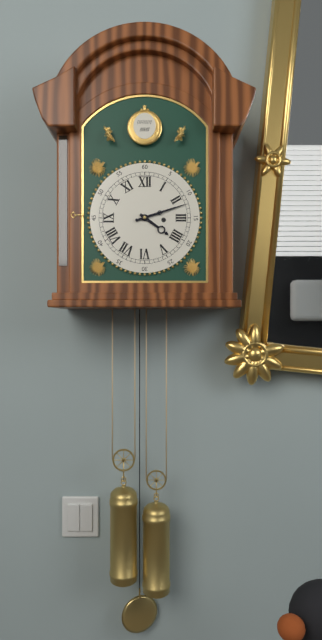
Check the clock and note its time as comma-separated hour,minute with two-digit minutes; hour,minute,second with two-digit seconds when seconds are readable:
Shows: 4,12
